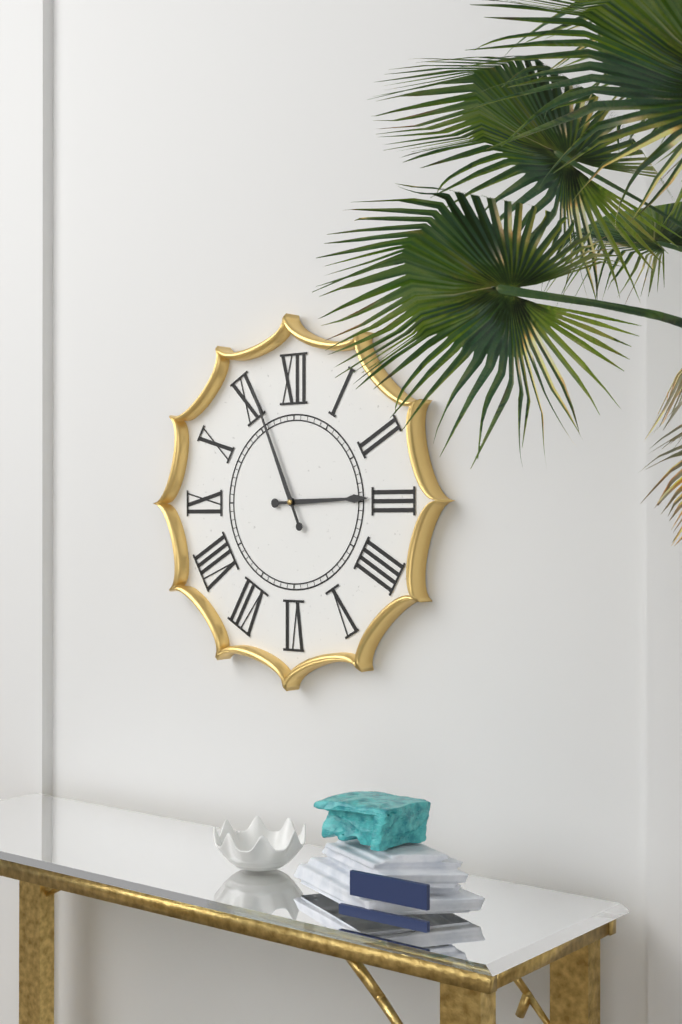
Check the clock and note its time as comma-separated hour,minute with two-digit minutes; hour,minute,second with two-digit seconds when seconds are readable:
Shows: 2,56
